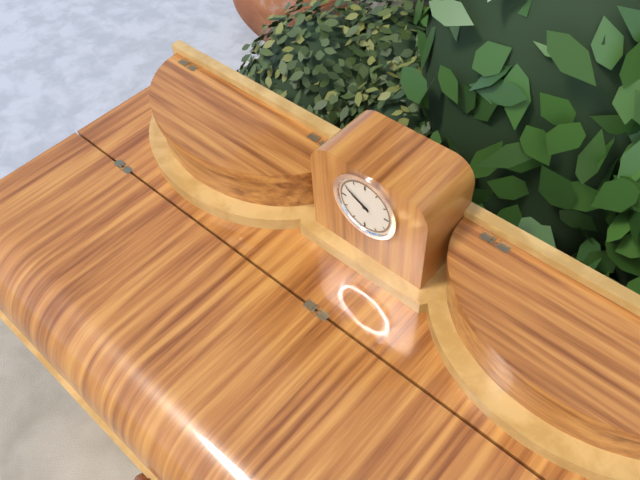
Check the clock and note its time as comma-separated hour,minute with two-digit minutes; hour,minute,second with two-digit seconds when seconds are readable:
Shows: 9,50
